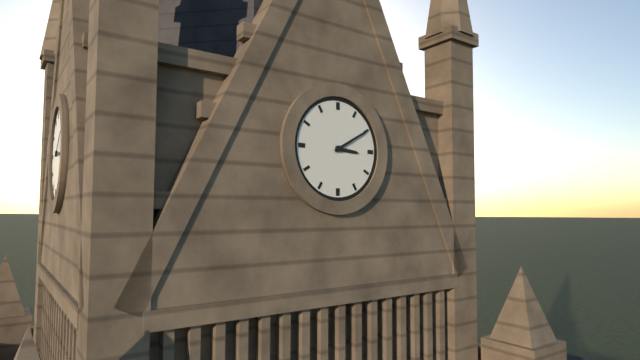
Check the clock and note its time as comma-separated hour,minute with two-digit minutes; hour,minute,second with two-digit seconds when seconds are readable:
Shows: 3,10
